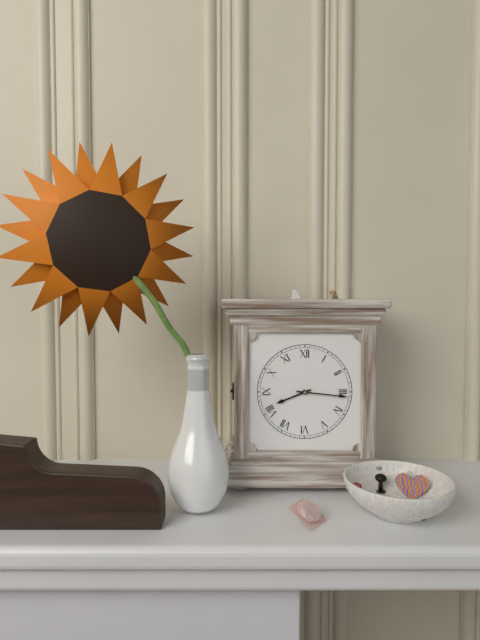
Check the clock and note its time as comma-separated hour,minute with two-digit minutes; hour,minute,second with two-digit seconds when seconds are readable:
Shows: 8,16
